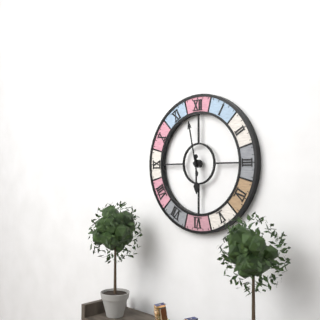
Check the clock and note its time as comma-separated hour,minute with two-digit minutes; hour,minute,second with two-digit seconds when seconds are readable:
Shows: 5,58
